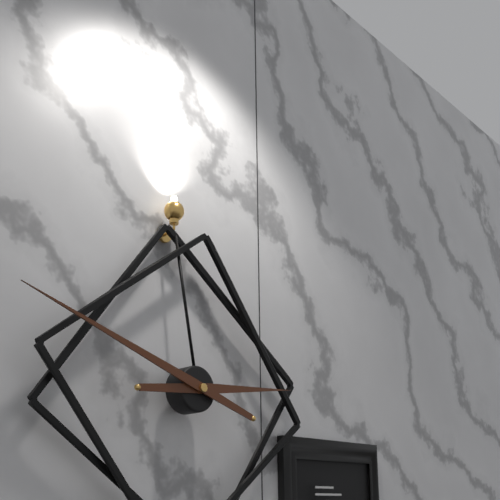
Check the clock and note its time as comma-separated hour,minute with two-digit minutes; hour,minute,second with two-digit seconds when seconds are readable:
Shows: 2,48
